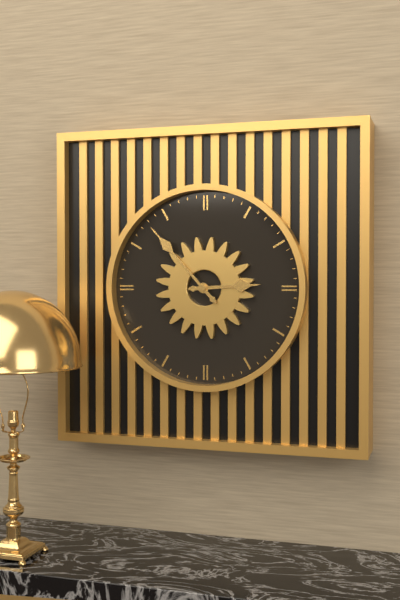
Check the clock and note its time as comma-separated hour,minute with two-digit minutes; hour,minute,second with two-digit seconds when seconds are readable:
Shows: 2,53
